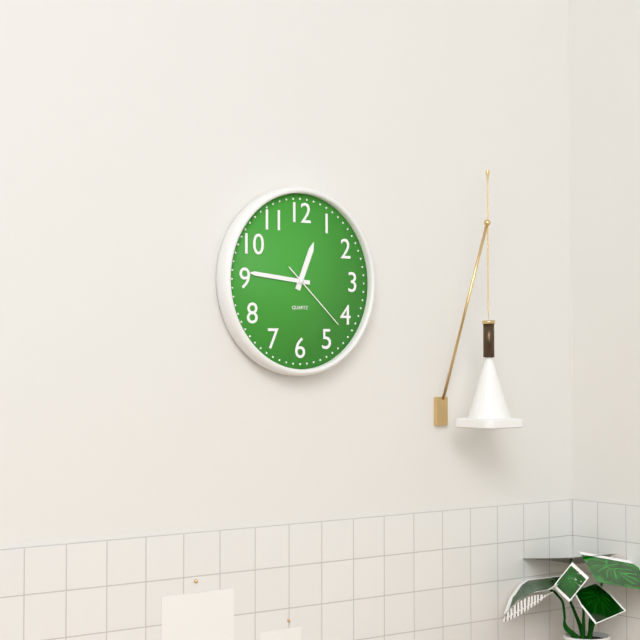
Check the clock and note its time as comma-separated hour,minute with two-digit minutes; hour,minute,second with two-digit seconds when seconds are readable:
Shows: 12,46,22
